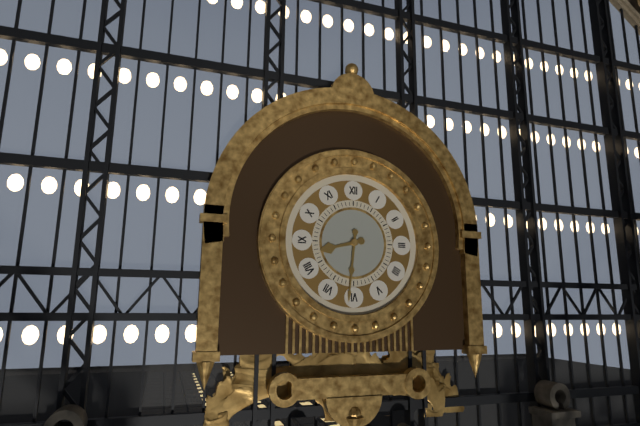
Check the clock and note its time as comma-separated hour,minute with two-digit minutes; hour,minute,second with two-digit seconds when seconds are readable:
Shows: 8,31
